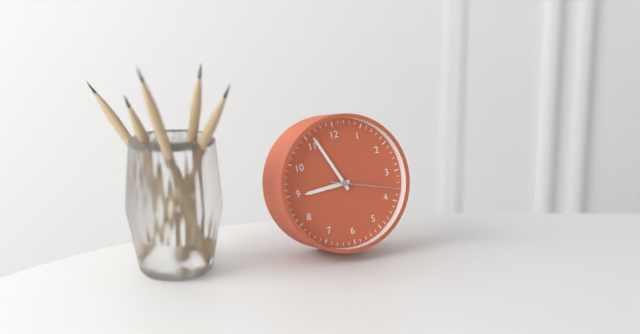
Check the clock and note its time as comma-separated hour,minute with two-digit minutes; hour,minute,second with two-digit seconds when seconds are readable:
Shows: 8,56,18
